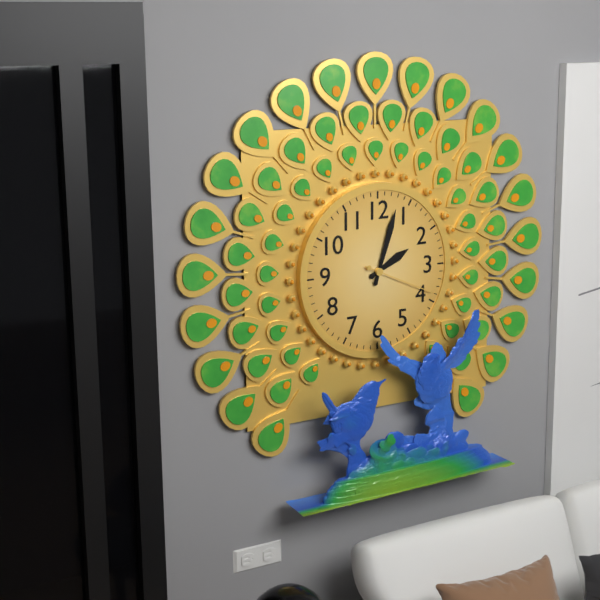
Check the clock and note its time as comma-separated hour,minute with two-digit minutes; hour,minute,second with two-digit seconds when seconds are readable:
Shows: 2,03,19
